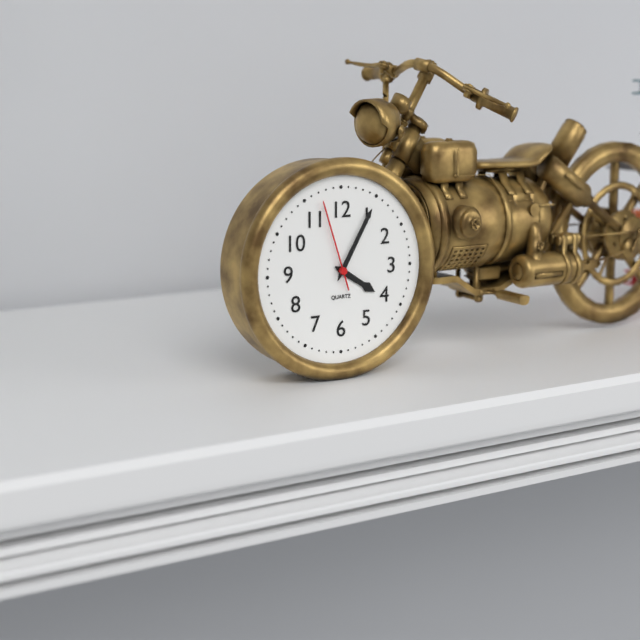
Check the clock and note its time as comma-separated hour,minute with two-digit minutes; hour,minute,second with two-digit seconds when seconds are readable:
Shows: 4,05,57
